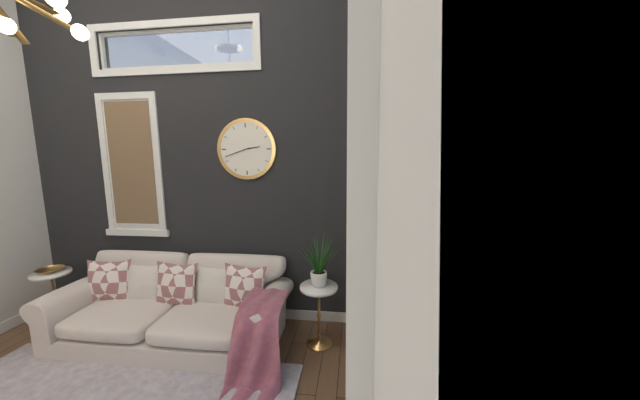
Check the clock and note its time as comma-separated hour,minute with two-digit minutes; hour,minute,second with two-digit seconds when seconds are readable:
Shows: 2,42
